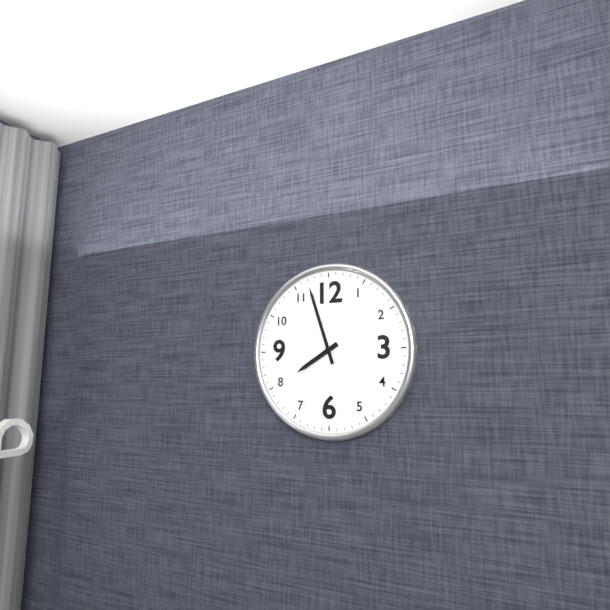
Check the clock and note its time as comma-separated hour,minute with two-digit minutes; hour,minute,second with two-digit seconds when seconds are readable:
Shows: 7,57
